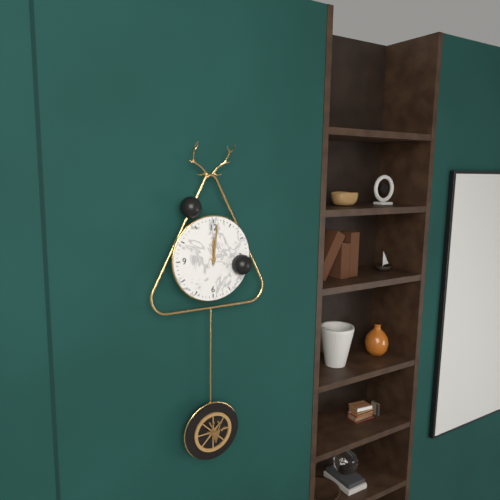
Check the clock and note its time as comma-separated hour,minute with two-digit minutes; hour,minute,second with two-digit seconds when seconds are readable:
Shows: 12,01
